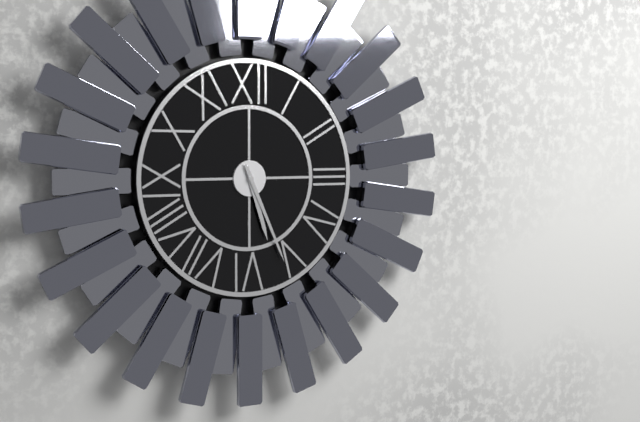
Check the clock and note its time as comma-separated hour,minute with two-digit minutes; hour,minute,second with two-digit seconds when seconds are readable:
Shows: 5,26
